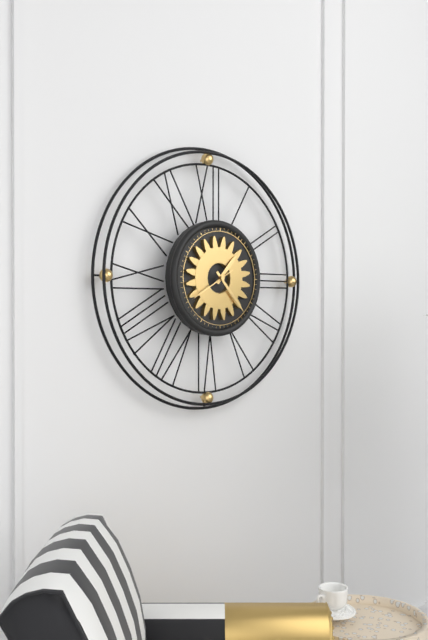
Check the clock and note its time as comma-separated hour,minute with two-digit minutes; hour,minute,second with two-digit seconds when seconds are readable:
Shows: 1,23
